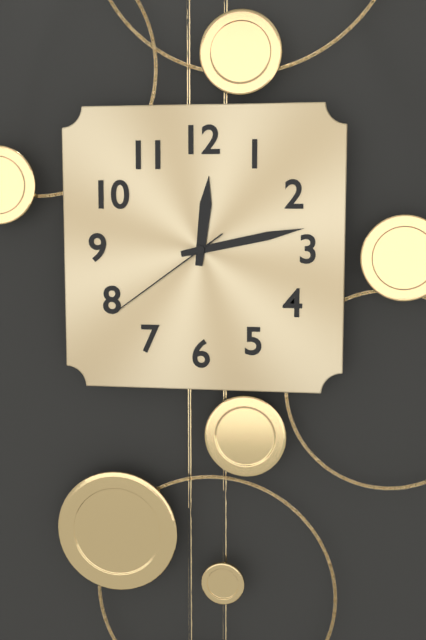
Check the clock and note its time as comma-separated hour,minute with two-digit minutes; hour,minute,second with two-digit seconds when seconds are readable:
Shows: 12,13,39
